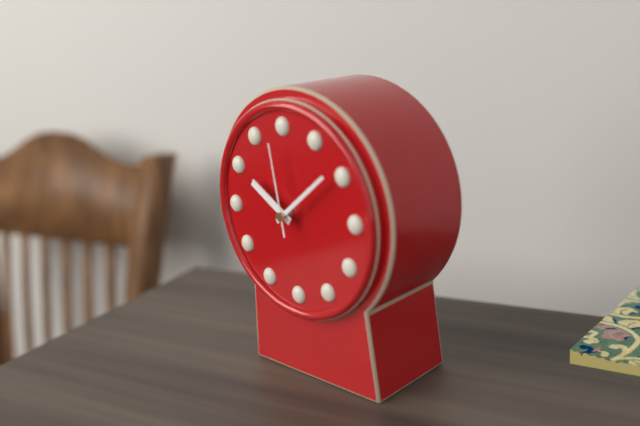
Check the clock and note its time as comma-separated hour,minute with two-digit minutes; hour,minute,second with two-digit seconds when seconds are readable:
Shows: 10,09,59
